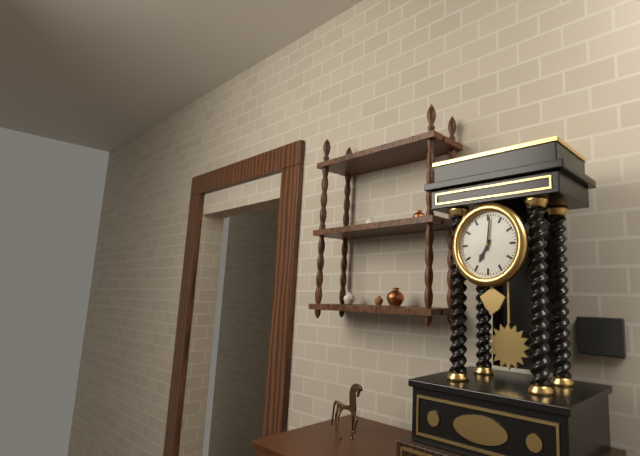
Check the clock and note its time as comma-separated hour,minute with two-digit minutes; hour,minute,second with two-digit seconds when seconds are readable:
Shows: 7,01
